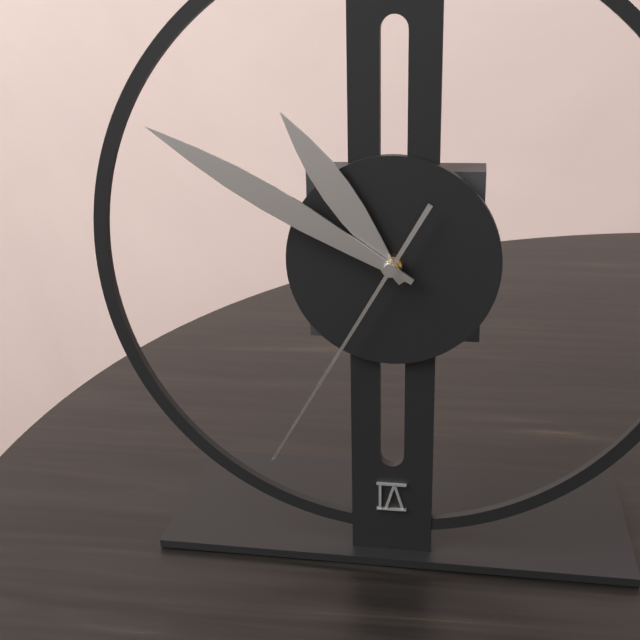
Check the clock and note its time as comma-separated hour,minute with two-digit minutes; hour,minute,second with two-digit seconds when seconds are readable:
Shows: 10,50,35
